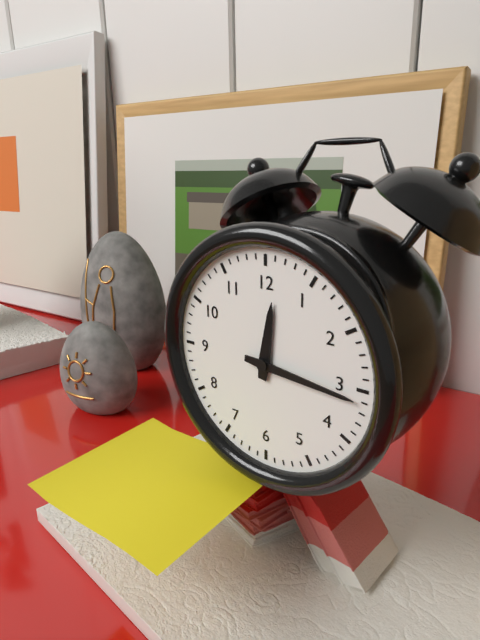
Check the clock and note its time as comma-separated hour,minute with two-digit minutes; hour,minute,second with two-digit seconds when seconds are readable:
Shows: 12,16
